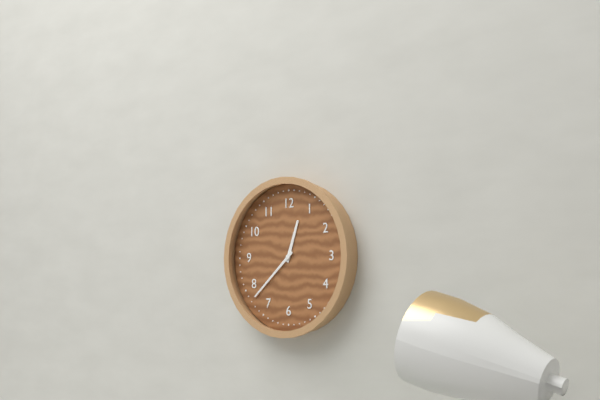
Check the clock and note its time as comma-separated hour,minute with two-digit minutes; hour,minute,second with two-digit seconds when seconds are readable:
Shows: 12,38
